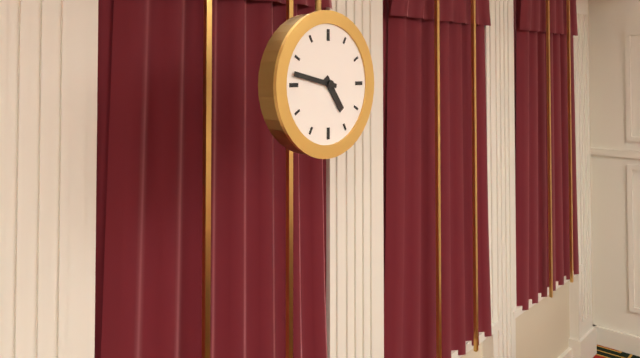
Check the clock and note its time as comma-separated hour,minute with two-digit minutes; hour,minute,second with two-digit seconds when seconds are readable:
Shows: 4,47
